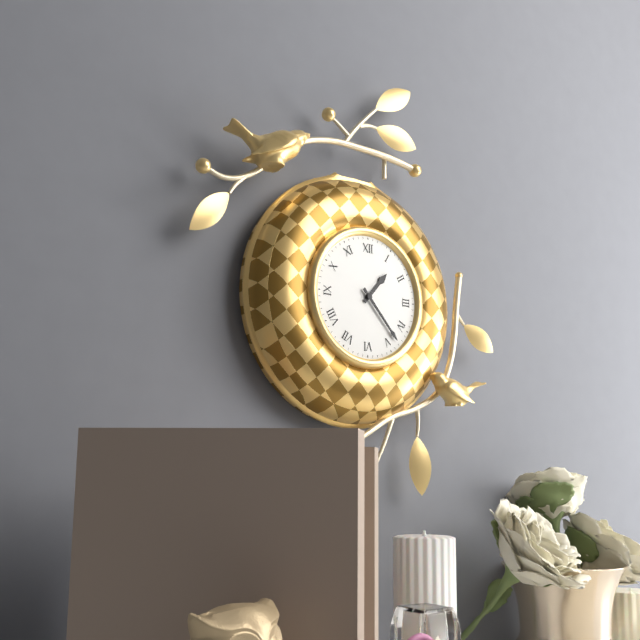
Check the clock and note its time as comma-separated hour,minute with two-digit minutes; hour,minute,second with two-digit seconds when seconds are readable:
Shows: 1,23
